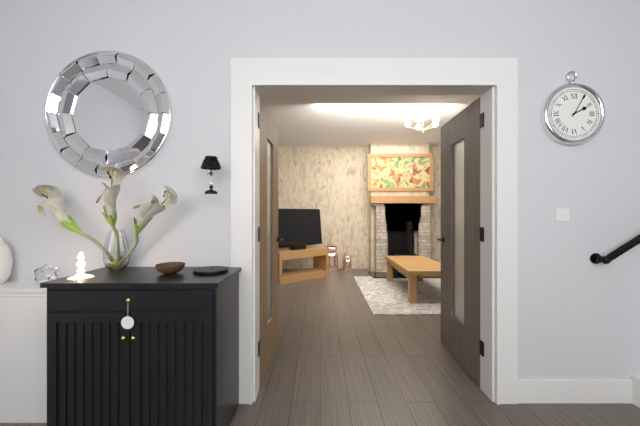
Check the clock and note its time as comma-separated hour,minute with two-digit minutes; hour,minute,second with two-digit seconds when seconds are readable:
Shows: 2,05
